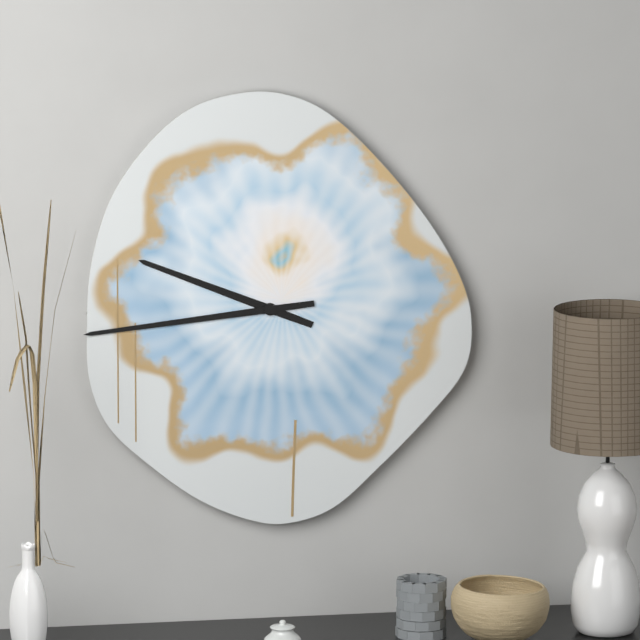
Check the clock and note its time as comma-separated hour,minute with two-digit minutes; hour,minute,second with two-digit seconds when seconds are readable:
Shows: 9,44
